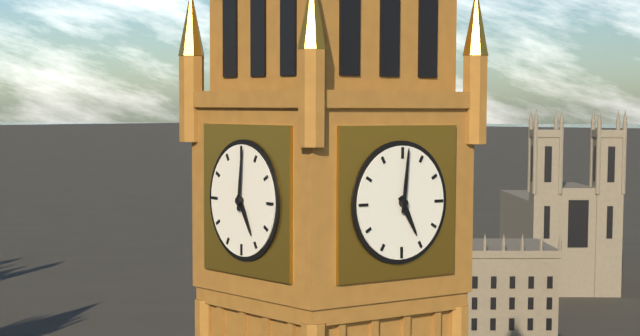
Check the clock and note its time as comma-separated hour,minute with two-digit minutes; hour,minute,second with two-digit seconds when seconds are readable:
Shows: 5,01
